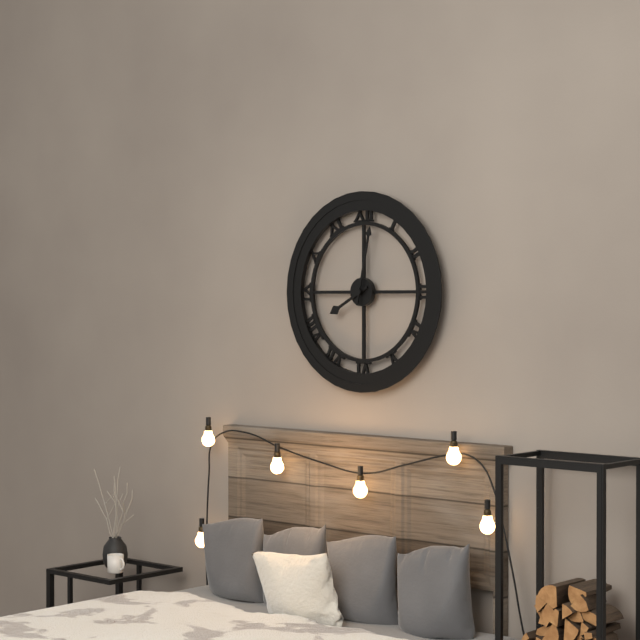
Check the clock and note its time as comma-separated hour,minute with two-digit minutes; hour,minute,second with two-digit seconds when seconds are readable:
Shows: 8,02
